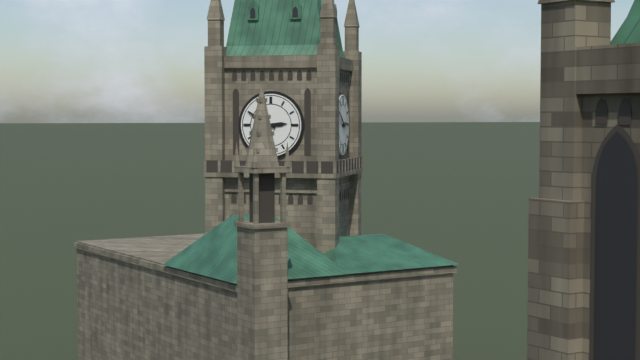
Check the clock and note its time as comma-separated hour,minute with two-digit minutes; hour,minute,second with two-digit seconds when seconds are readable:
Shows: 2,50
